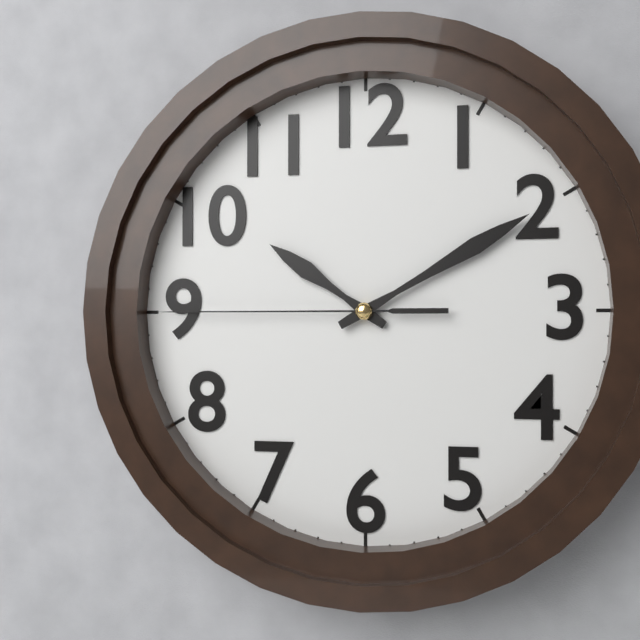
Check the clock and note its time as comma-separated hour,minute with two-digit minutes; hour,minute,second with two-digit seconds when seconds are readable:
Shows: 10,10,45
